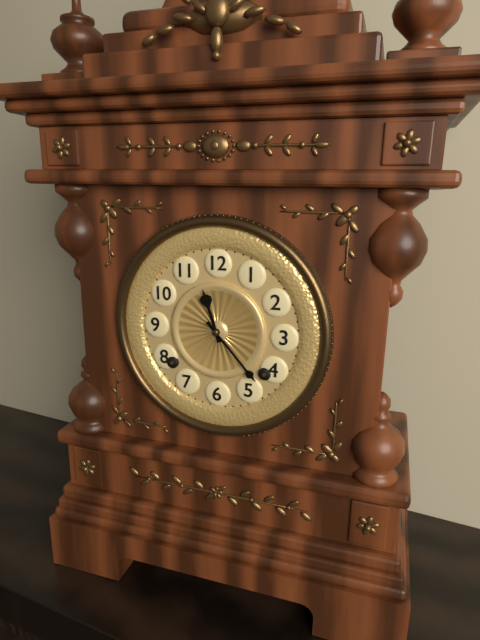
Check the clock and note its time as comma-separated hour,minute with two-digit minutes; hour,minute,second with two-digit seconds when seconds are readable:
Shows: 11,23
